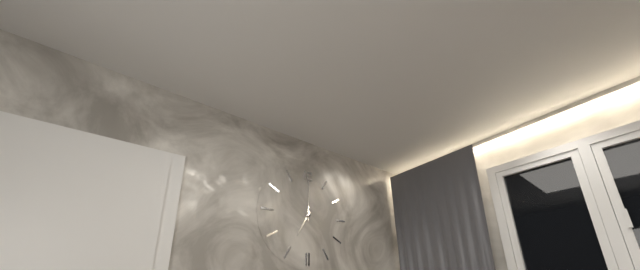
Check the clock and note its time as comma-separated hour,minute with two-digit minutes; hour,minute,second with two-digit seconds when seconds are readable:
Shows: 7,00
